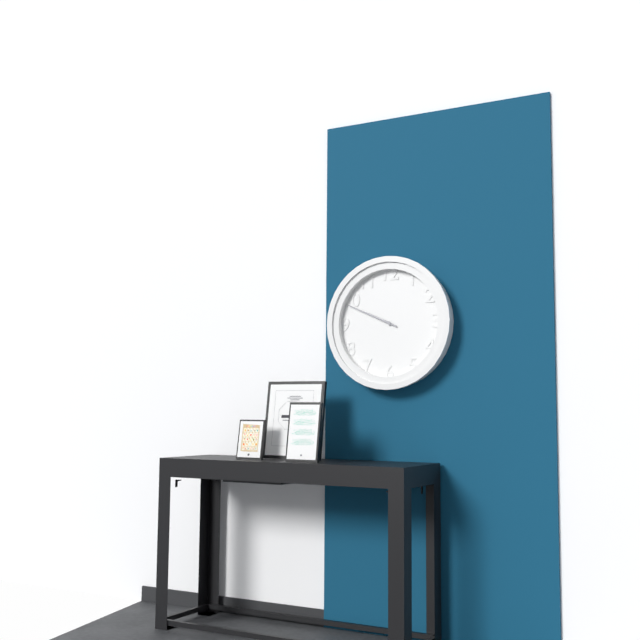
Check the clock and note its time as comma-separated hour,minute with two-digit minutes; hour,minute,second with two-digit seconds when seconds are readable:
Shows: 9,49
